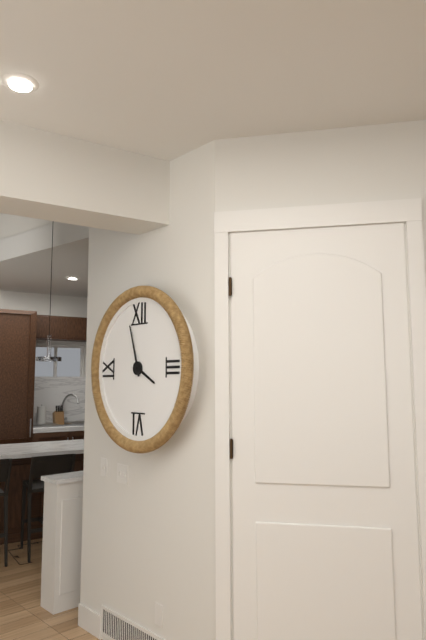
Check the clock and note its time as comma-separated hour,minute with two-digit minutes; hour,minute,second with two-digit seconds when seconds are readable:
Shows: 3,57
